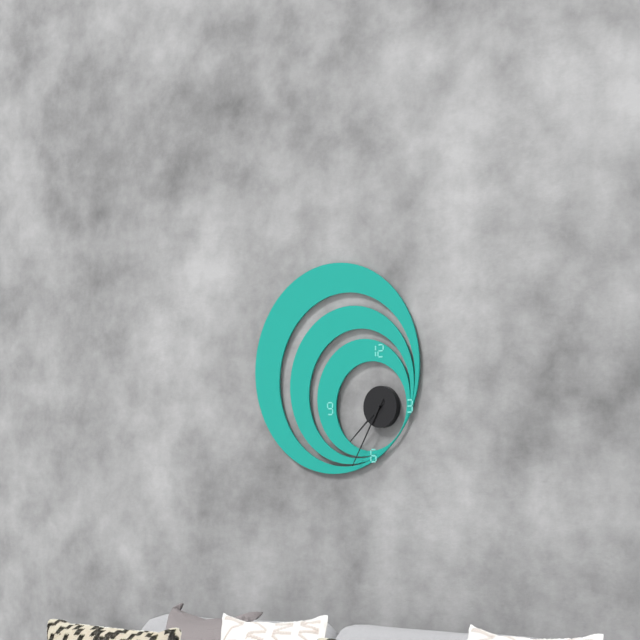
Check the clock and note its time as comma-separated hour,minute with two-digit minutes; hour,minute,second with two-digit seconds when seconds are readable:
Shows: 7,35
